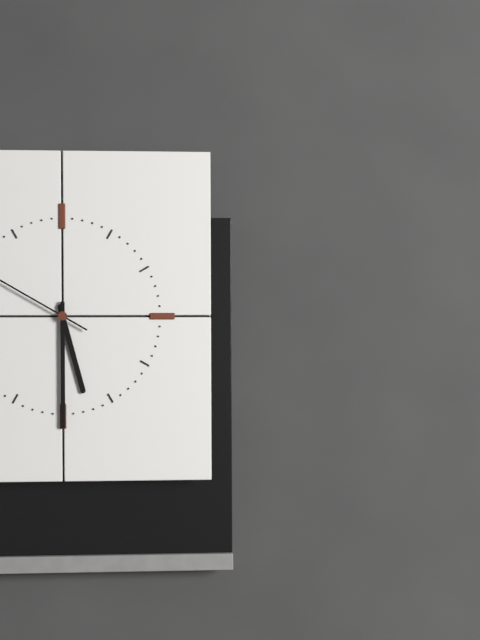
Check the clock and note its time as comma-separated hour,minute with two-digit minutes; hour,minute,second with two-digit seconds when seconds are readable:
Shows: 5,30
